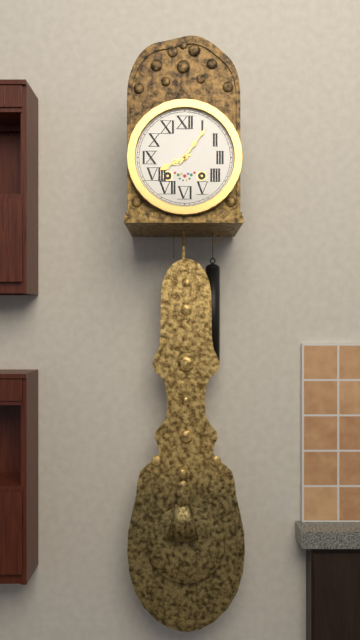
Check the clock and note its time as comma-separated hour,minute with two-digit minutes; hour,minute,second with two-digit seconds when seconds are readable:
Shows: 8,06
